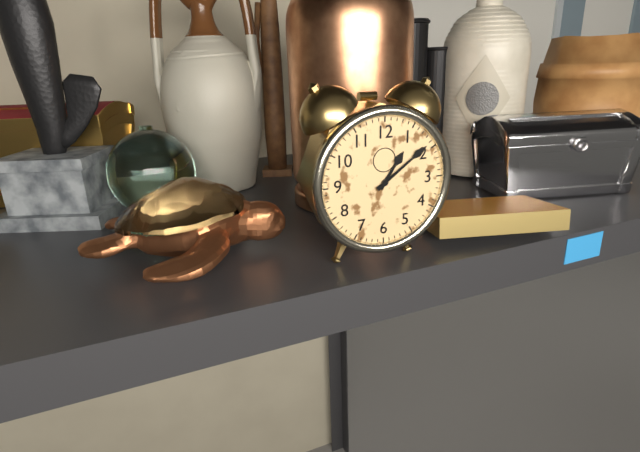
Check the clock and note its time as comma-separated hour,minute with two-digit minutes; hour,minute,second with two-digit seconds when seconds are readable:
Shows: 1,09
